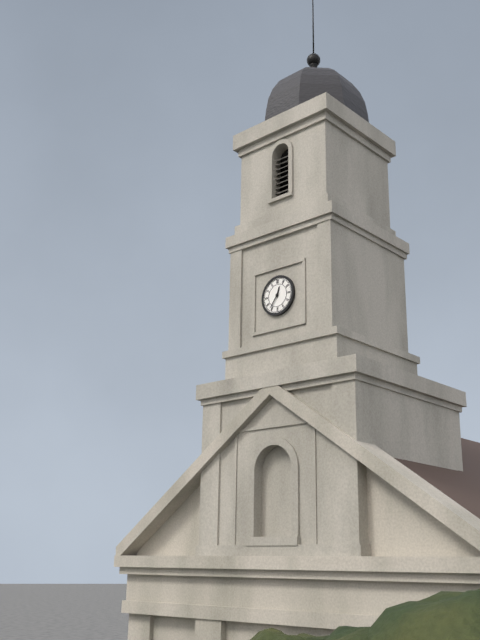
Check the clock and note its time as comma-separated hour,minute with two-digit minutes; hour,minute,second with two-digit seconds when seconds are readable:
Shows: 12,36
